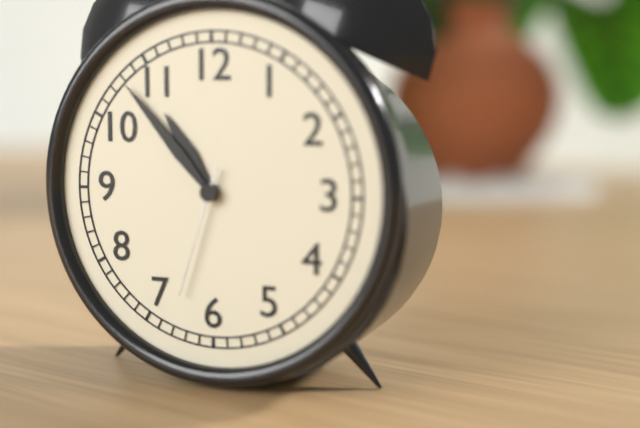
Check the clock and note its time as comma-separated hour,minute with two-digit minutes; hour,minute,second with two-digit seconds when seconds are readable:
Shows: 10,53,33
